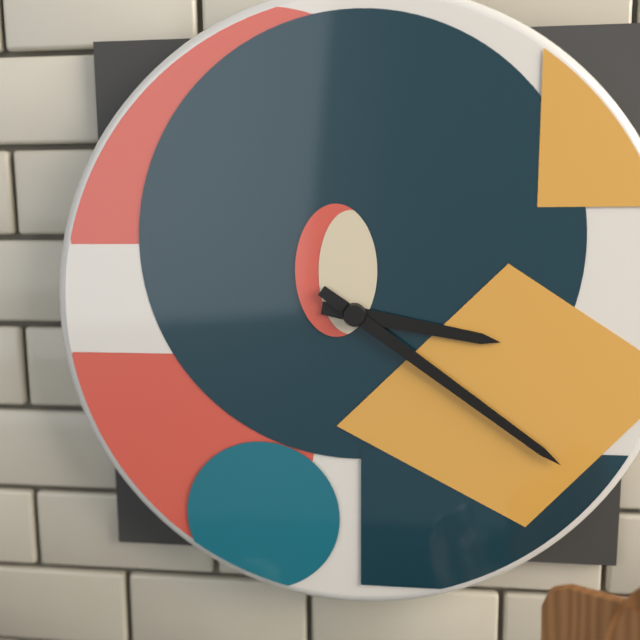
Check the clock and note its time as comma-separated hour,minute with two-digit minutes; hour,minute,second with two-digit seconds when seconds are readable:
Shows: 3,21
